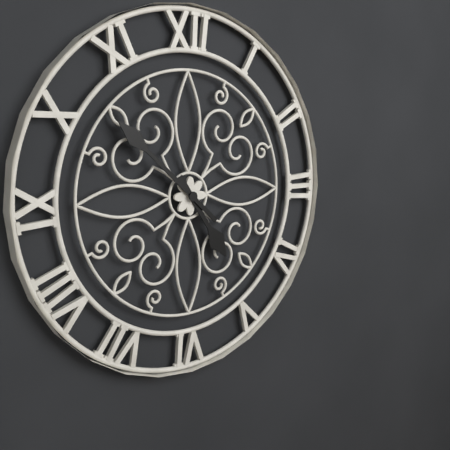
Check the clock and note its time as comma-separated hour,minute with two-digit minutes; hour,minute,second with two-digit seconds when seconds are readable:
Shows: 4,52
